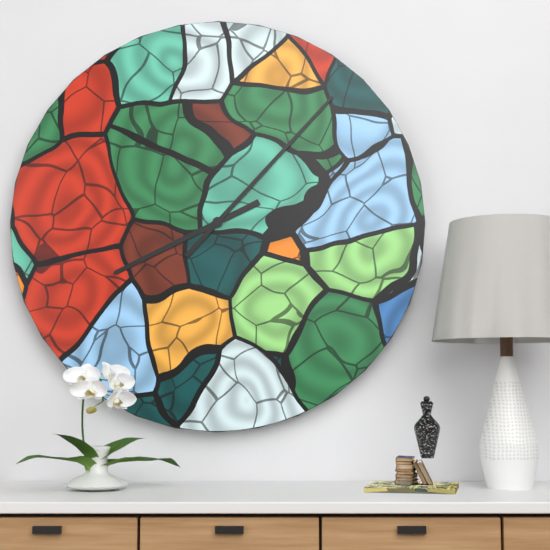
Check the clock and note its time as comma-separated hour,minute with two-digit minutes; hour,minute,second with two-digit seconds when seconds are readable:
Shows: 8,07
